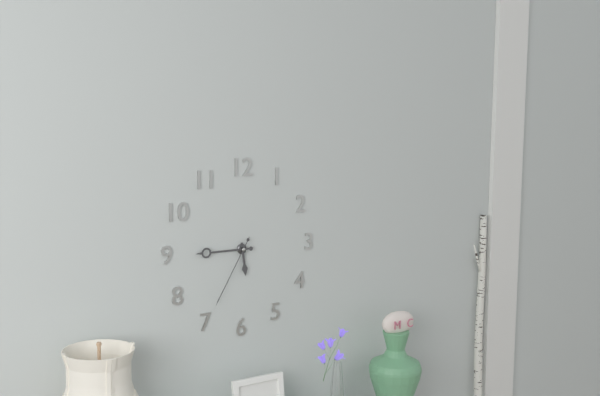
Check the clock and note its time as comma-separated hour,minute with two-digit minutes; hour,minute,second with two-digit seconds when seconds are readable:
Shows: 5,45,35
